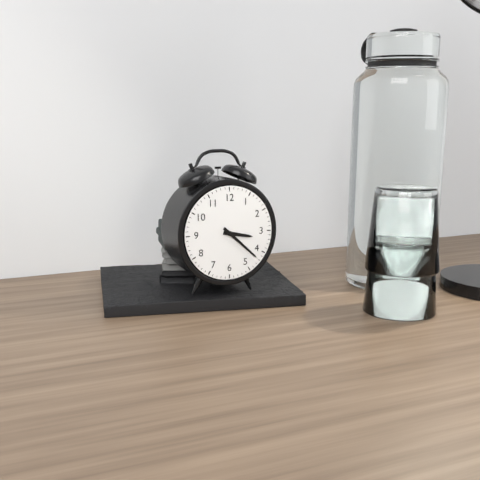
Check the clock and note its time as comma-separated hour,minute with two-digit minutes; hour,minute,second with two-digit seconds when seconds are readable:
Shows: 3,22
